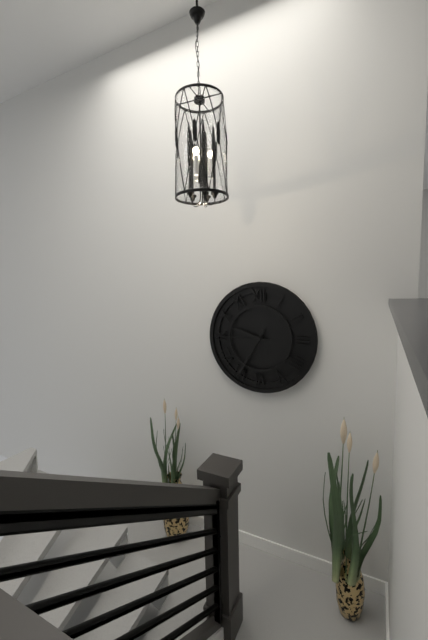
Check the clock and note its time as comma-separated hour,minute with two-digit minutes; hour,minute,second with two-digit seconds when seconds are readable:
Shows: 9,35,45
